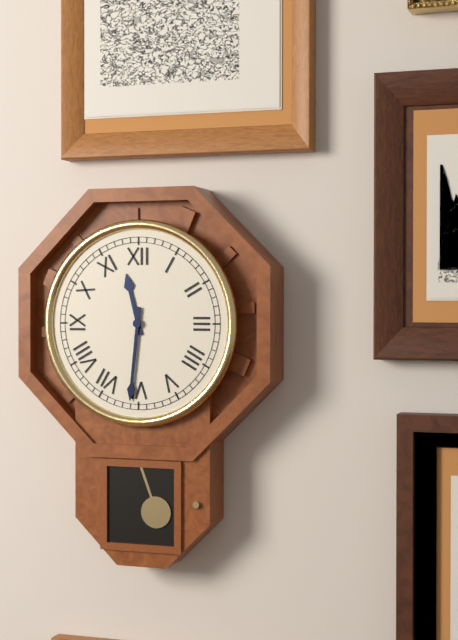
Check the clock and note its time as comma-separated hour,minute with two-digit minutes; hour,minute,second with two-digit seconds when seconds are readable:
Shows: 11,31
